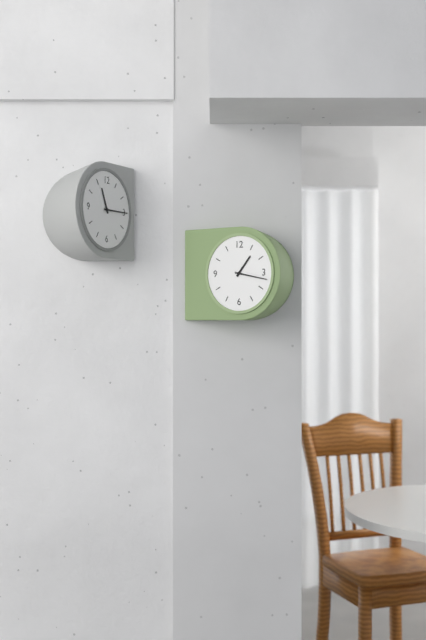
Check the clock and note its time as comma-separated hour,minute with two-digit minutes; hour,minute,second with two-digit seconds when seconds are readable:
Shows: 1,17
